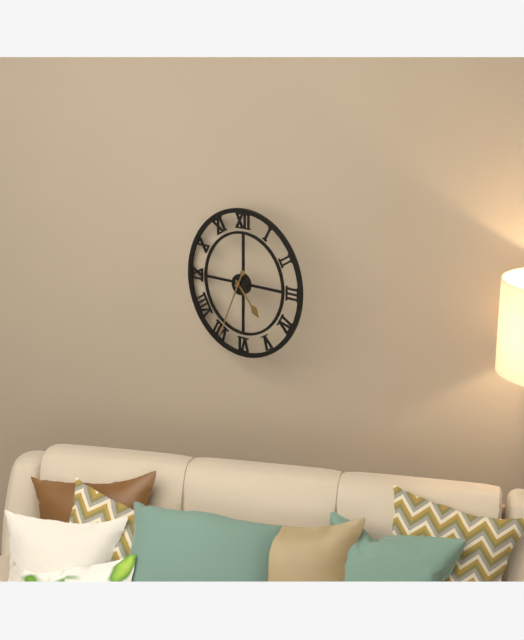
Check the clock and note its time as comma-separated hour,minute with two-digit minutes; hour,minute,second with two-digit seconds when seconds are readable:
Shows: 4,34
